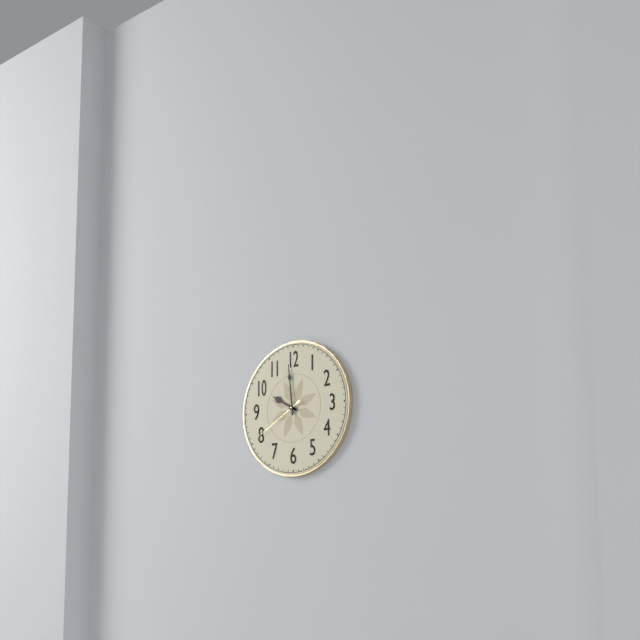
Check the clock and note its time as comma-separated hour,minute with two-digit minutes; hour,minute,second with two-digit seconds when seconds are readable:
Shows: 9,59,40
